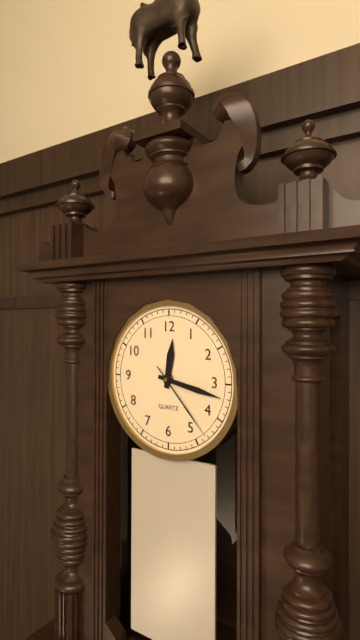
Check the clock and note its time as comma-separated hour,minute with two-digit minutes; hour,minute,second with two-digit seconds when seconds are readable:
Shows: 12,17,23
